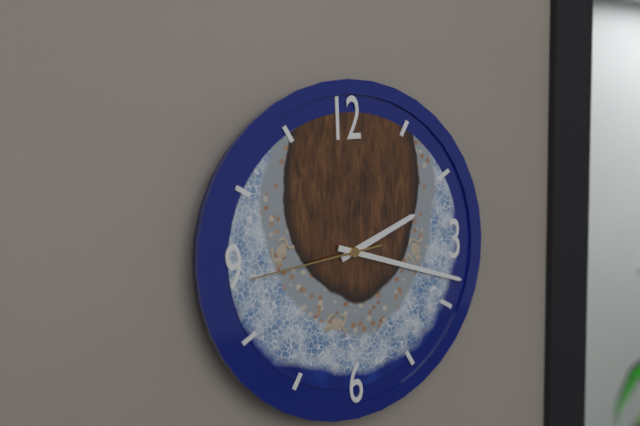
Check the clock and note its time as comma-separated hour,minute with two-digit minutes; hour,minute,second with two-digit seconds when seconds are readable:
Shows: 2,18,44
